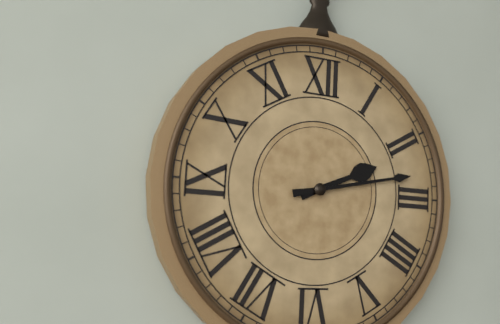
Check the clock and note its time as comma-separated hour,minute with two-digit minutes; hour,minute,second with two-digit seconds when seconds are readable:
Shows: 2,13
